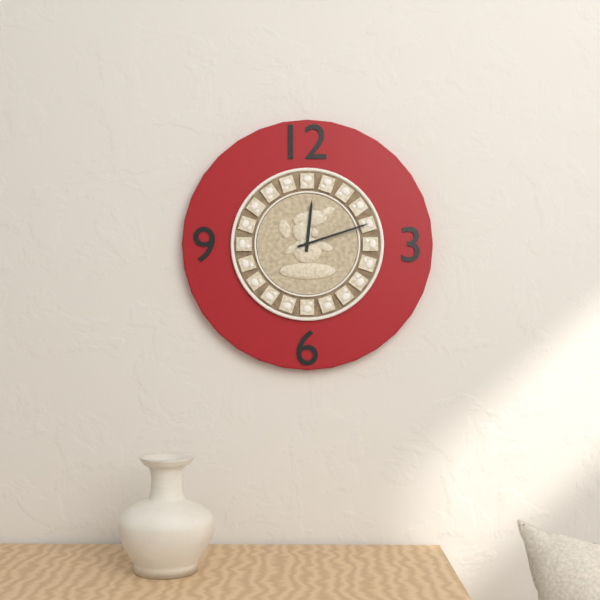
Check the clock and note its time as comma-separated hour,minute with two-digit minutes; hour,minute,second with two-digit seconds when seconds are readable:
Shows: 12,12
